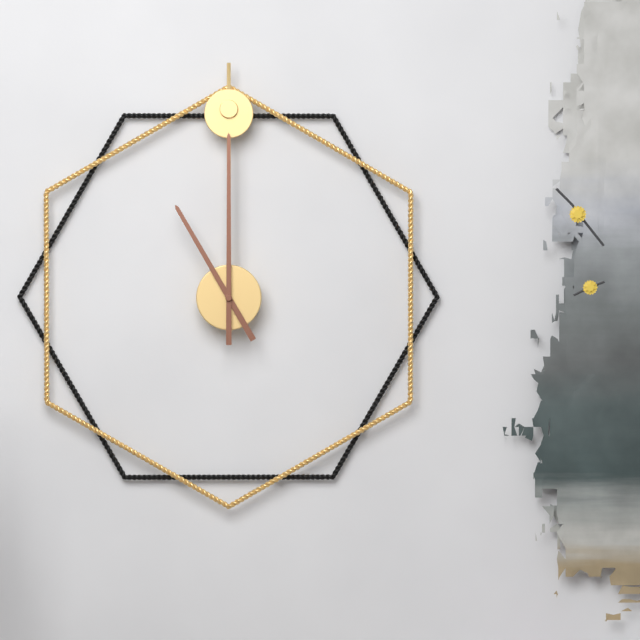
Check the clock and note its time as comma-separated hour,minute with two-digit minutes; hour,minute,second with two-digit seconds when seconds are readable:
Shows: 11,00
